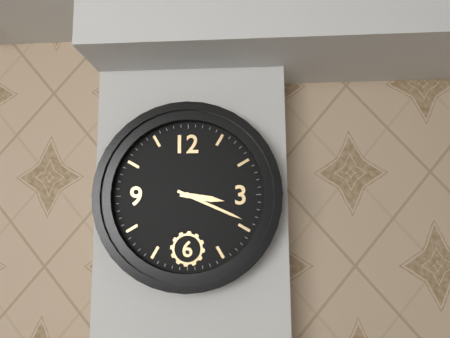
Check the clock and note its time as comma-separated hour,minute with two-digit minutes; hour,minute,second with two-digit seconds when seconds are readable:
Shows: 3,19
